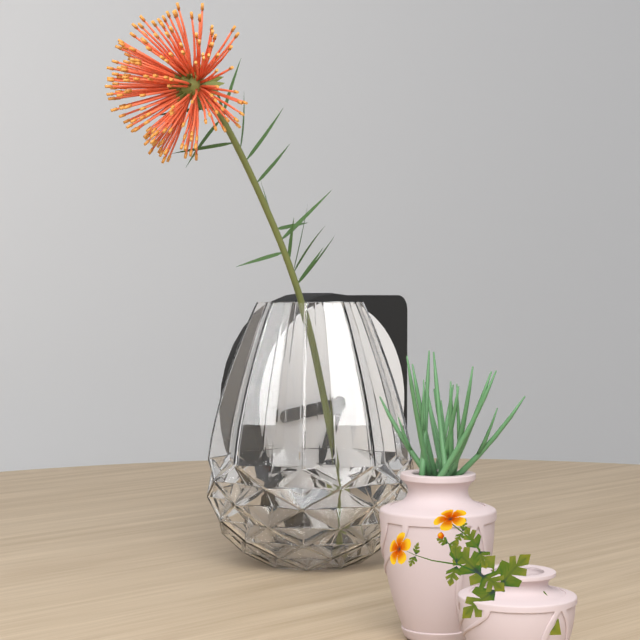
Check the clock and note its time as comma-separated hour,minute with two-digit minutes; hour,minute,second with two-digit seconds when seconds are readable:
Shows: 6,44
